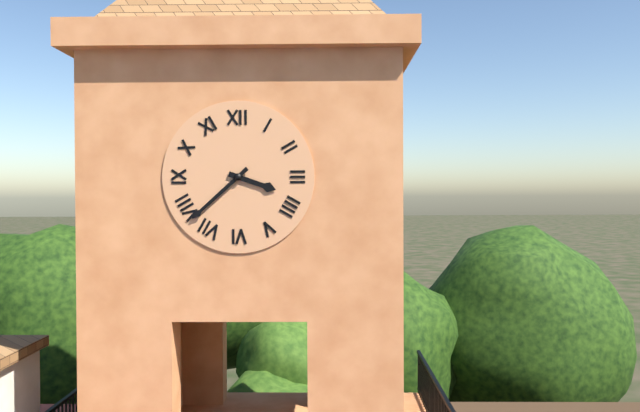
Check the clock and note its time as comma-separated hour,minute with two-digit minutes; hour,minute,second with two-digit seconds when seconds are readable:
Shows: 3,38
